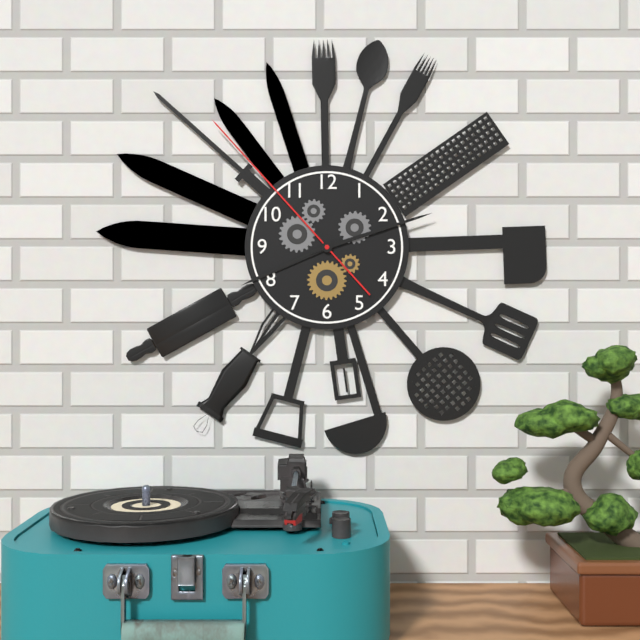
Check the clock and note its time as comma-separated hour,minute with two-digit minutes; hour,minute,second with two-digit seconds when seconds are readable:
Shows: 8,12,53
